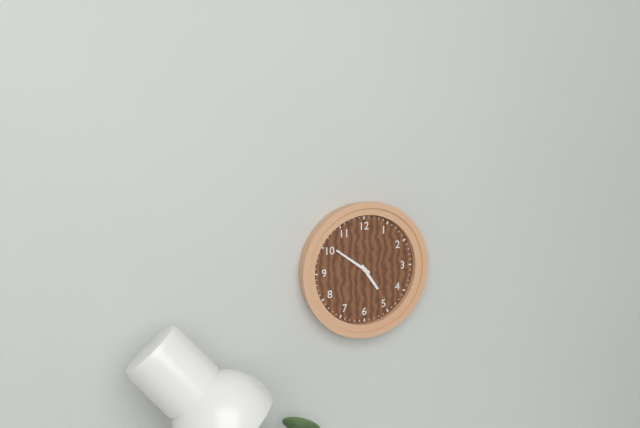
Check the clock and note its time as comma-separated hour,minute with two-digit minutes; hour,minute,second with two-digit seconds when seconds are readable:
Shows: 4,51
